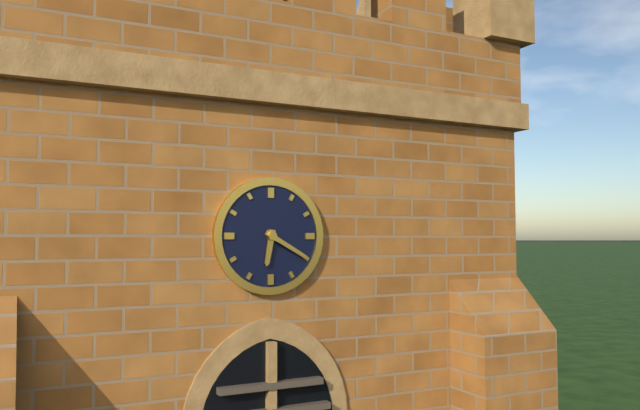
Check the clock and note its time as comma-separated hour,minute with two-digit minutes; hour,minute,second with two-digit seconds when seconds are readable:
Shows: 6,20
